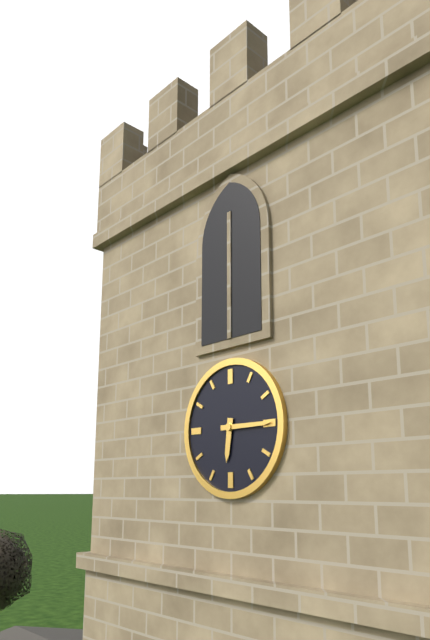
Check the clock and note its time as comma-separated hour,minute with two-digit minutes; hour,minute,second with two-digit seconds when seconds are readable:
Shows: 6,15
